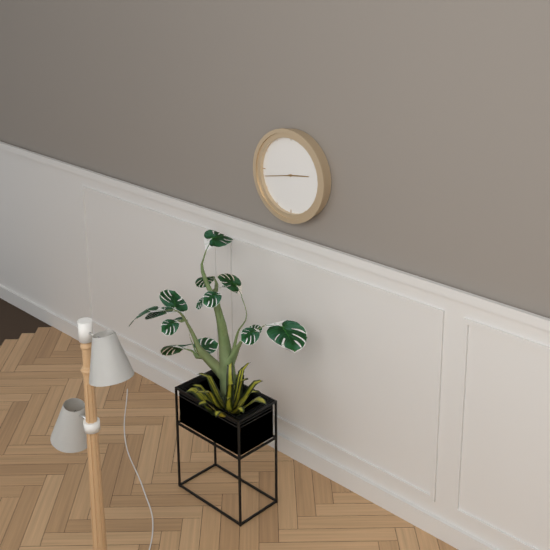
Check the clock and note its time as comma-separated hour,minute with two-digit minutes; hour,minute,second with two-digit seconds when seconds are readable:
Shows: 2,43
